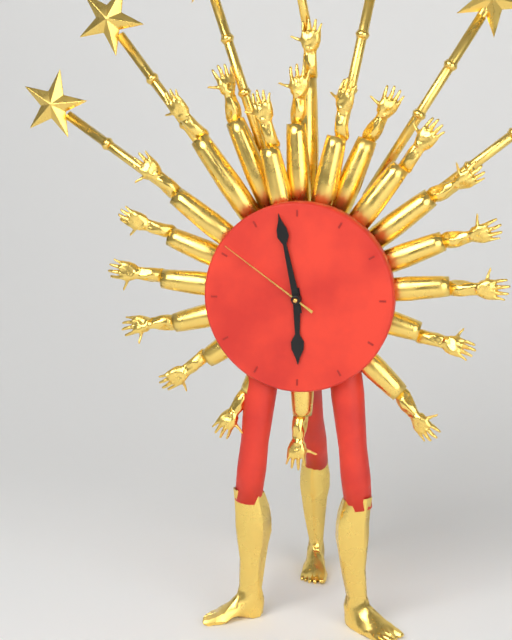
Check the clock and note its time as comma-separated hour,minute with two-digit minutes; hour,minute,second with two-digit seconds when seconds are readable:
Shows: 5,58,51
